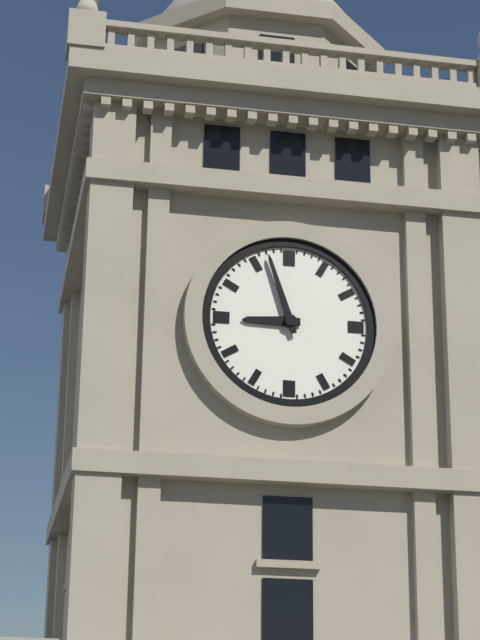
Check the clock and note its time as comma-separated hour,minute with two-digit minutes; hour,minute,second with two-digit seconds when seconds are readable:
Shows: 8,57
